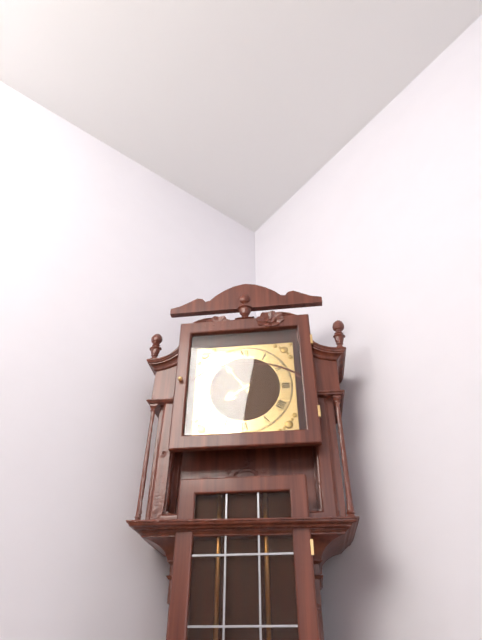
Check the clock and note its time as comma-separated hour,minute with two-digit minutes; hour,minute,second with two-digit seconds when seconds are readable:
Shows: 7,54
